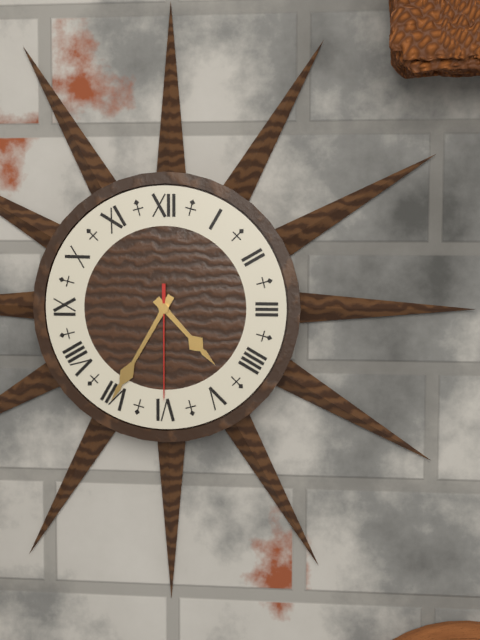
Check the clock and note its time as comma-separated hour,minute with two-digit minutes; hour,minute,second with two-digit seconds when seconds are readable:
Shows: 4,35,30
